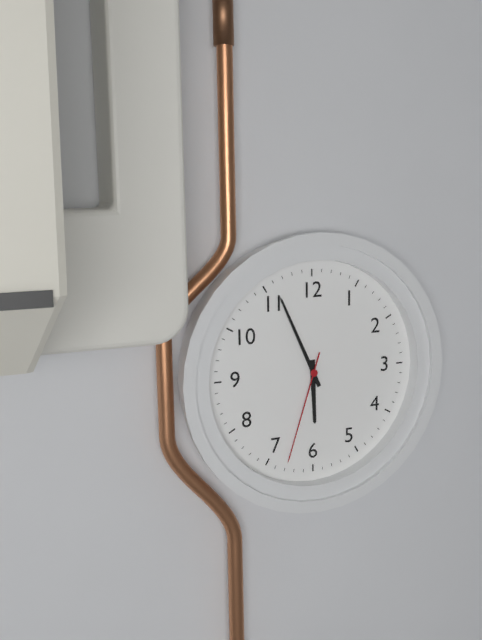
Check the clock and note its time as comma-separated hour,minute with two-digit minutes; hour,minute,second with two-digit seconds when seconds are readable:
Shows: 5,56,33
